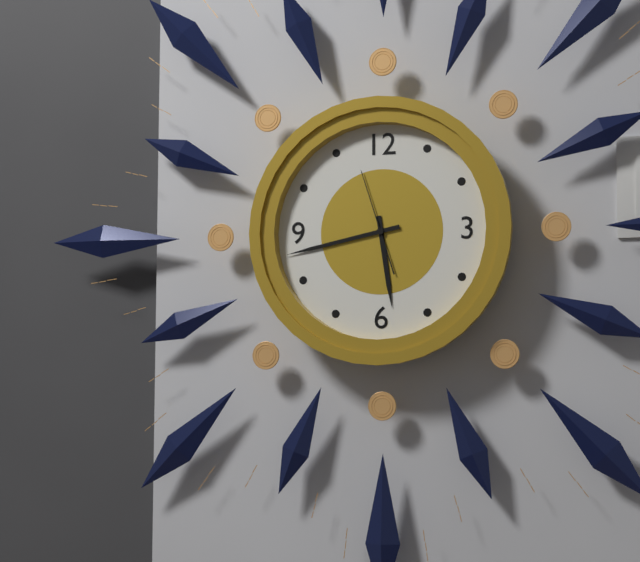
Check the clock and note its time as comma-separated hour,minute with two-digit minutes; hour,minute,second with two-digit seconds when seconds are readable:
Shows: 5,43,57
